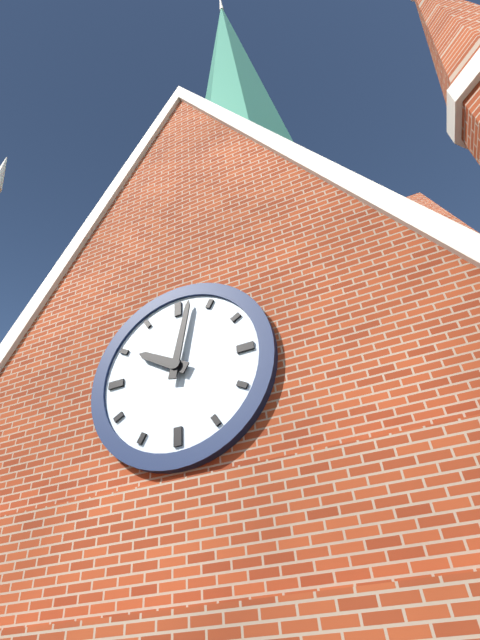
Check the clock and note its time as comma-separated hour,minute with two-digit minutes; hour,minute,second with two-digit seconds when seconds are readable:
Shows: 10,02
